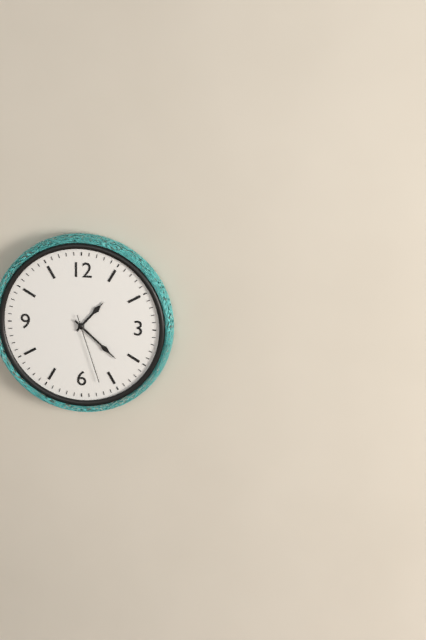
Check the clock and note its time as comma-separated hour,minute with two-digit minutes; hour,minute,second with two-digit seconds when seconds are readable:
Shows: 1,22,27
